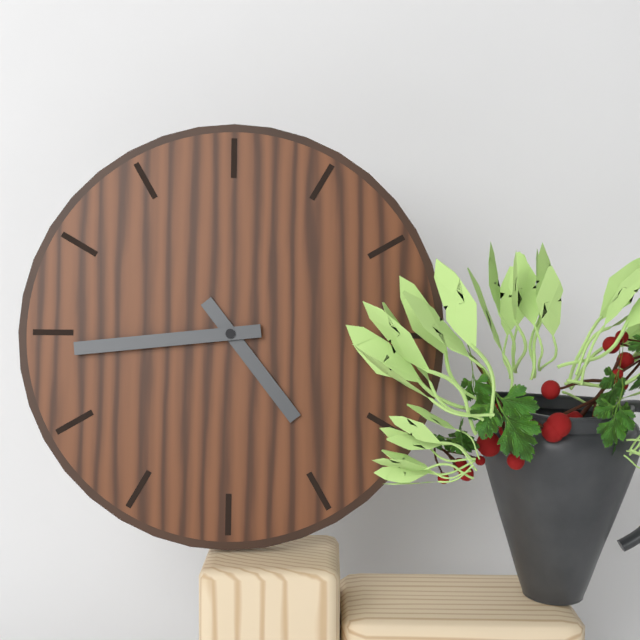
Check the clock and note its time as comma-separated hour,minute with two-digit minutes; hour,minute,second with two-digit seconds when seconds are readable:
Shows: 4,44
